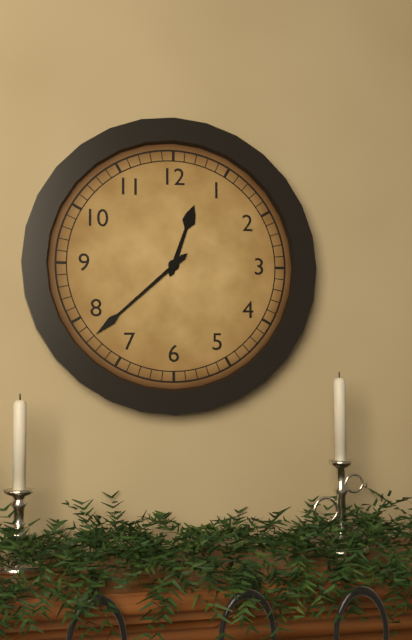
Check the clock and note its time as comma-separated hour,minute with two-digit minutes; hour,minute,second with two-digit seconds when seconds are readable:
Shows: 12,38
